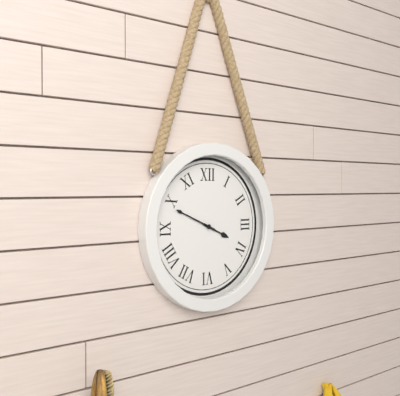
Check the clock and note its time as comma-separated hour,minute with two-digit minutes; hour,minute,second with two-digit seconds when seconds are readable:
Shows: 3,49
